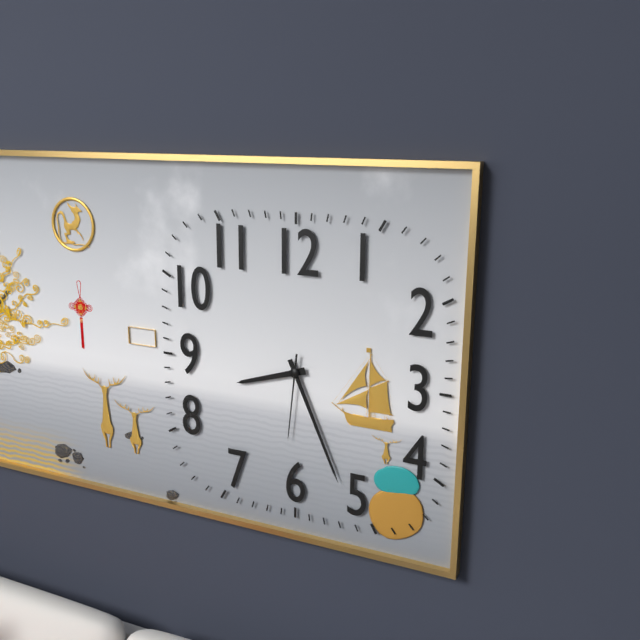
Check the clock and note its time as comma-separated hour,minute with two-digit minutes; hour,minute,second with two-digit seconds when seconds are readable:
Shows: 8,26,31
